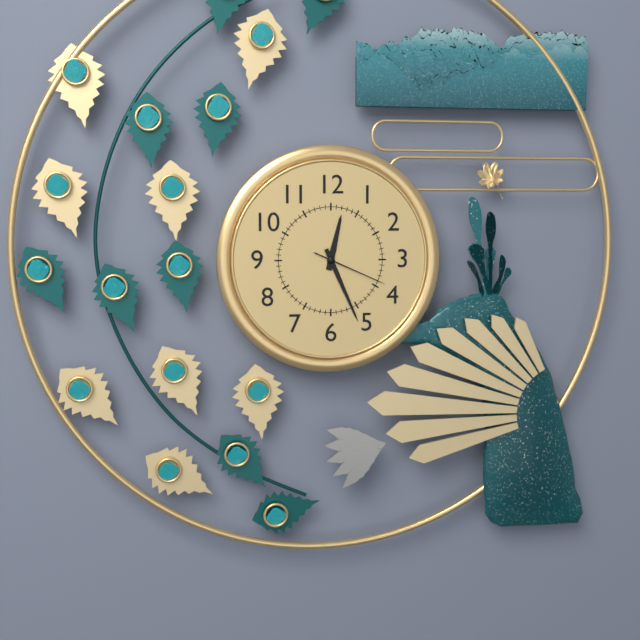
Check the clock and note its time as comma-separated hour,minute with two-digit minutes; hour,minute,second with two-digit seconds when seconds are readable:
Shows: 12,26,19
